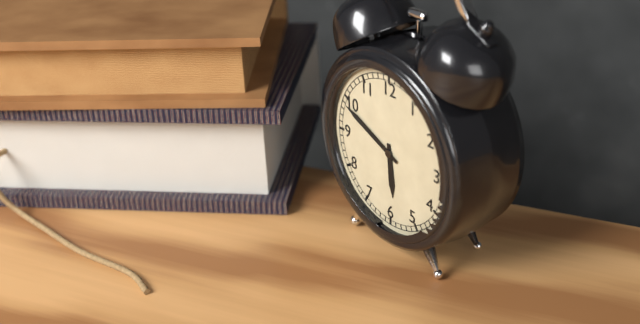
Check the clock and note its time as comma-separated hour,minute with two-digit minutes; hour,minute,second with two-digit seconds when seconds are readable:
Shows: 5,49
